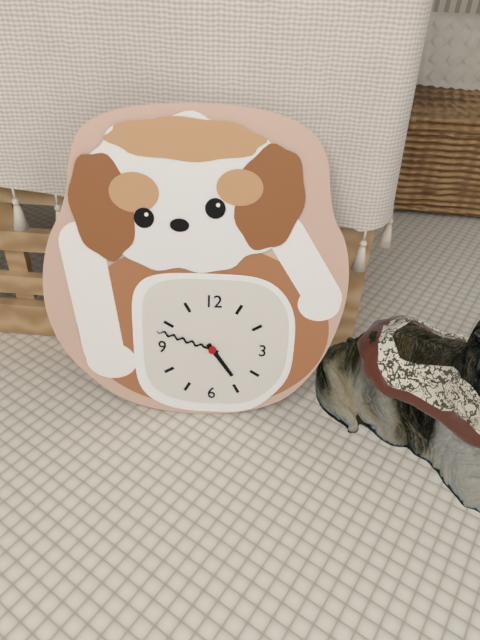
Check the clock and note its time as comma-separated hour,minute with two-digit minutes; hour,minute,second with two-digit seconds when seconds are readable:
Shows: 4,48
